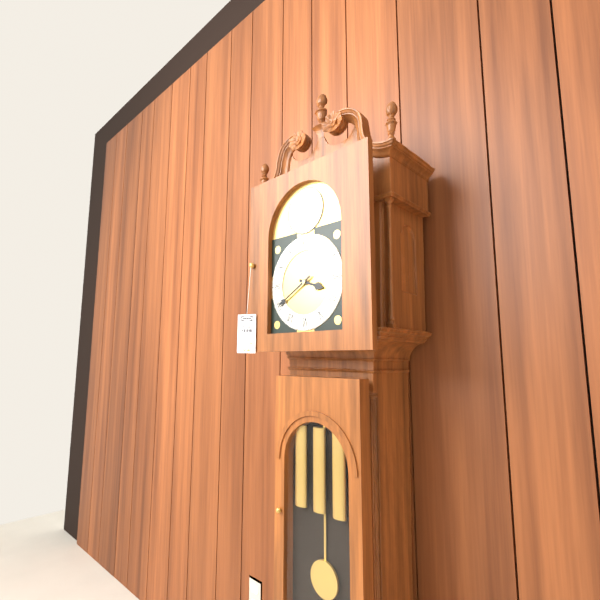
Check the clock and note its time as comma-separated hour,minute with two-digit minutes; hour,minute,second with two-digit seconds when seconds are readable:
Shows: 3,40
